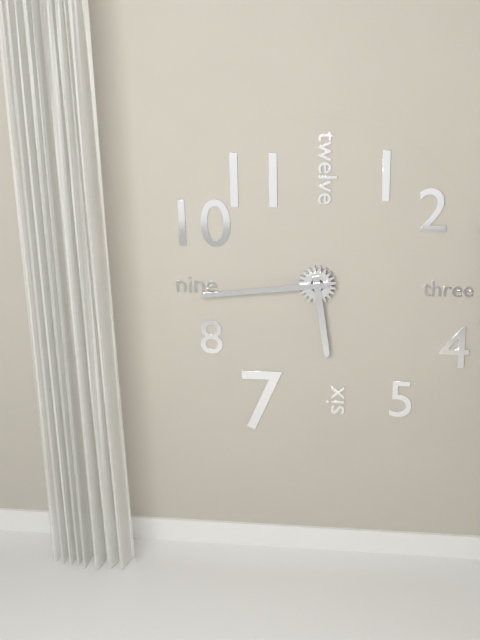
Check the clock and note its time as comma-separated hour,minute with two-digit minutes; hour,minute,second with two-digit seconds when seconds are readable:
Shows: 5,44
